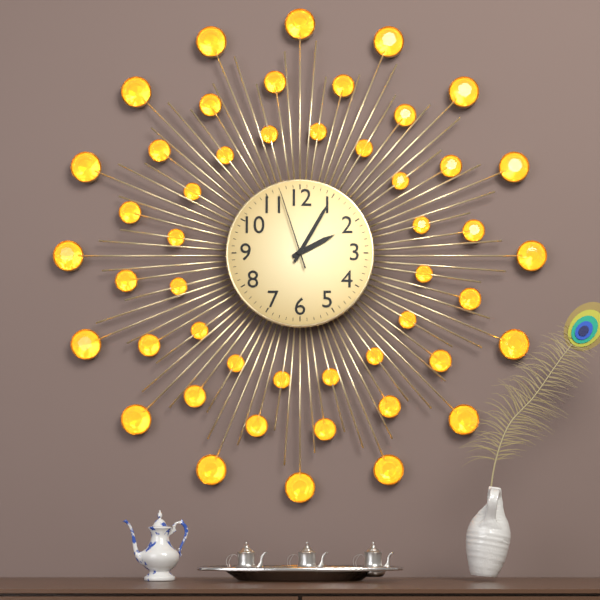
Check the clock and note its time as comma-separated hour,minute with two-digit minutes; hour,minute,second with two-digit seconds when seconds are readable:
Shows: 2,05,57
